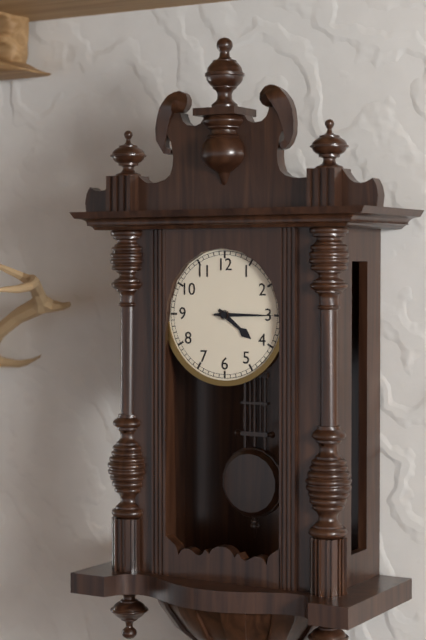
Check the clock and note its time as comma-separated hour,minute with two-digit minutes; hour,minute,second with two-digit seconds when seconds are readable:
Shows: 4,15
